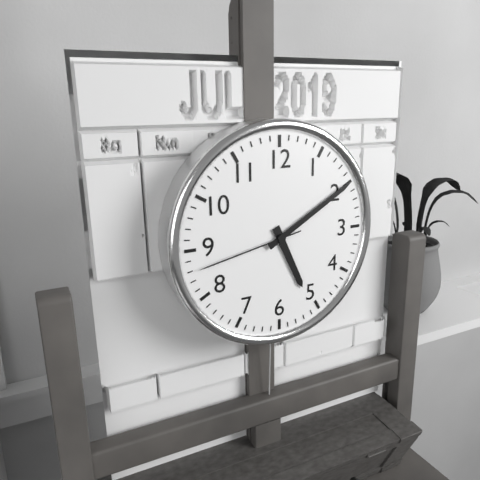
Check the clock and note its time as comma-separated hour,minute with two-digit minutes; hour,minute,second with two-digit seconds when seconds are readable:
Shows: 5,10,43
